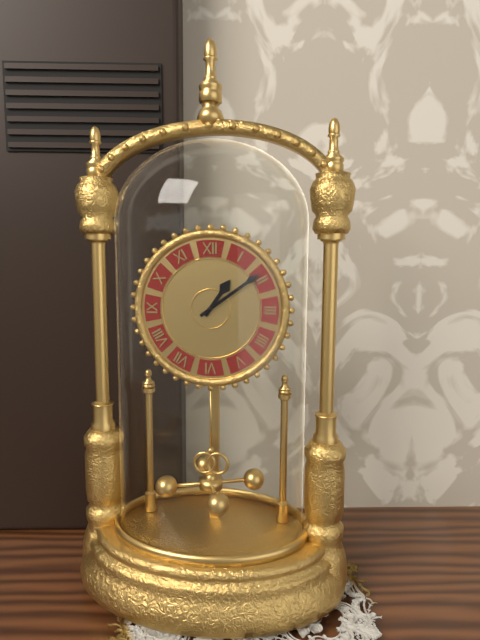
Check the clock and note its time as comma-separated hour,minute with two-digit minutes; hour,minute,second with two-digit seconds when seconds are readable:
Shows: 1,09
